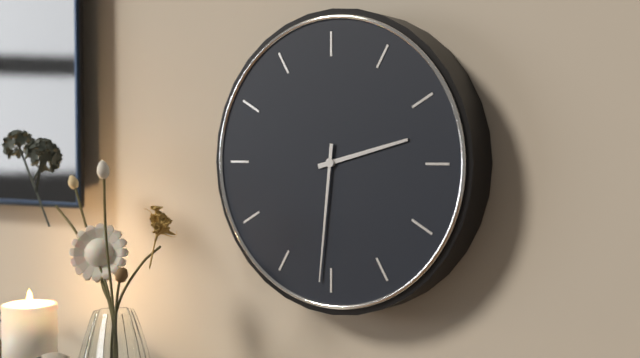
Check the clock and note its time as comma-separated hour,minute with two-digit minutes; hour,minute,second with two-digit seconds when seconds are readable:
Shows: 2,31
